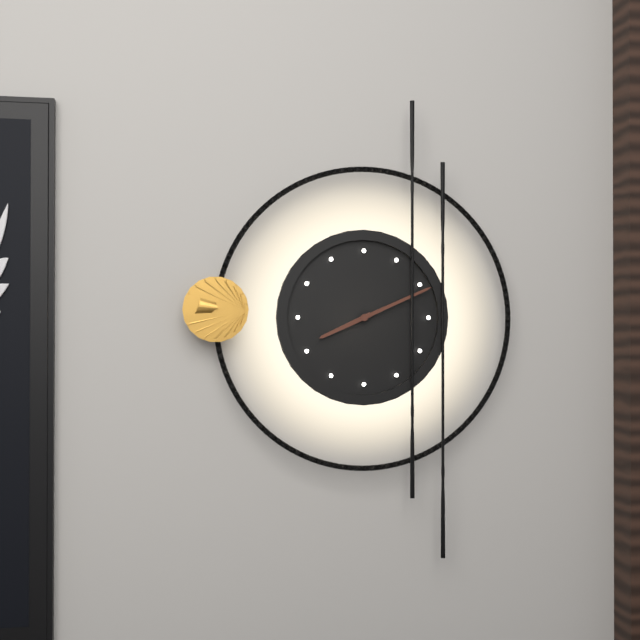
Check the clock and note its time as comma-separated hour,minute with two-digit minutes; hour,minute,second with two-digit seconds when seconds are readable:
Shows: 8,11
